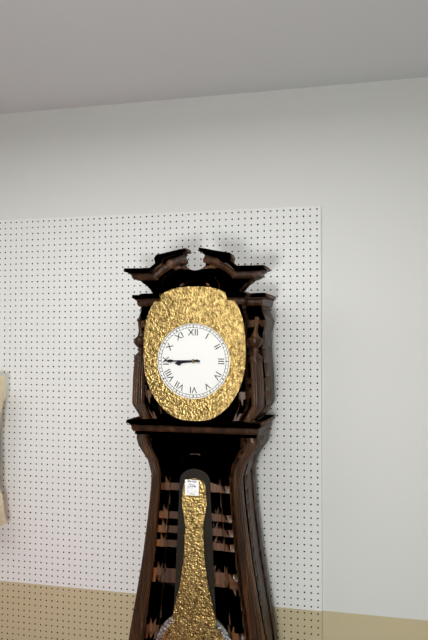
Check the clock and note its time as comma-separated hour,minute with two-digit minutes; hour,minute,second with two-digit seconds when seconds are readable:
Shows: 8,45
